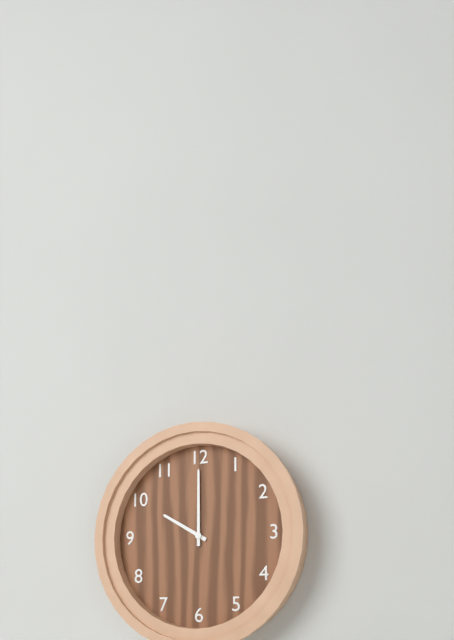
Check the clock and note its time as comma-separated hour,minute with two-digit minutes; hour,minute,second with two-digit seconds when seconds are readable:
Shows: 10,00
